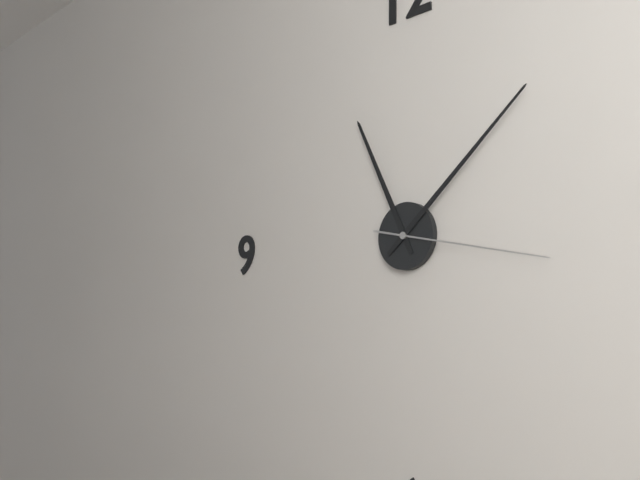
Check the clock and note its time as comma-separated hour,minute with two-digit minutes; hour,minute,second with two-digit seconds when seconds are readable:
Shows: 11,08,17
